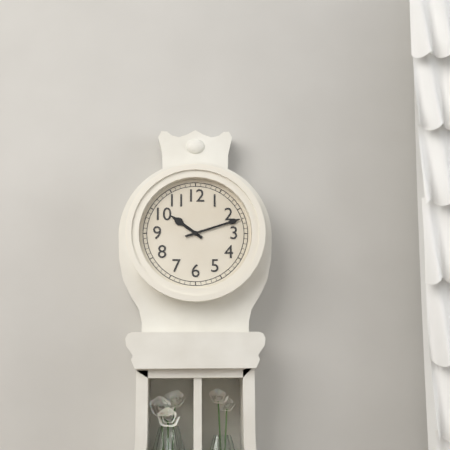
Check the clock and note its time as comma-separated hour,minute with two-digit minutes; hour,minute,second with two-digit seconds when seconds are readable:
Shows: 10,12
